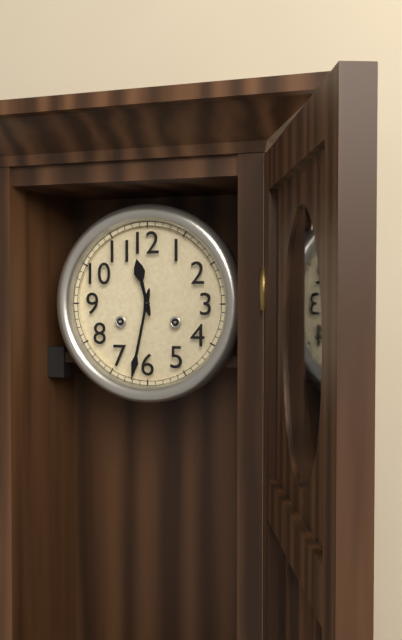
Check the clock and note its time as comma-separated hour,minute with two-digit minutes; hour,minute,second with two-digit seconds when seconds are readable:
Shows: 11,32
